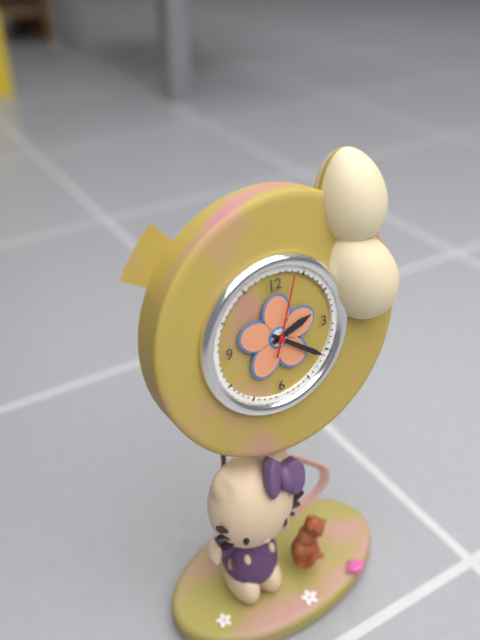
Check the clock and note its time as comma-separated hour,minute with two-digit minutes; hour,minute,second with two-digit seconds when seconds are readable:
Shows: 2,21,03
